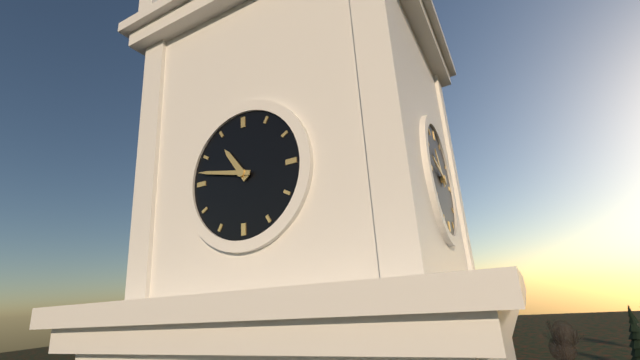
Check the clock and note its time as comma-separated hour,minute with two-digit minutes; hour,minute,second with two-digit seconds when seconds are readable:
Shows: 10,47
